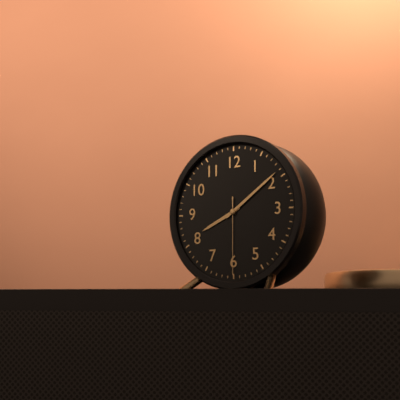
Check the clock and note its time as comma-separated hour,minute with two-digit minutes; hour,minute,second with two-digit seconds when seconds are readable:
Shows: 8,09,30
